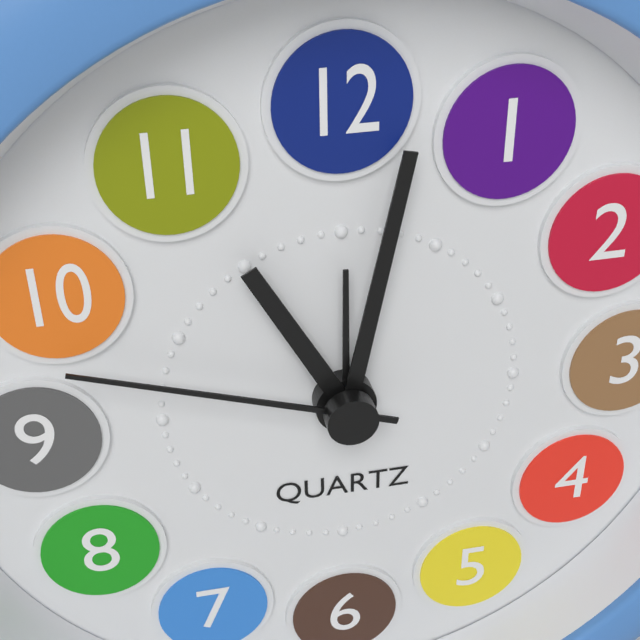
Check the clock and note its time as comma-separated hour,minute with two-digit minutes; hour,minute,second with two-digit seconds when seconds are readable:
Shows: 11,02,48
